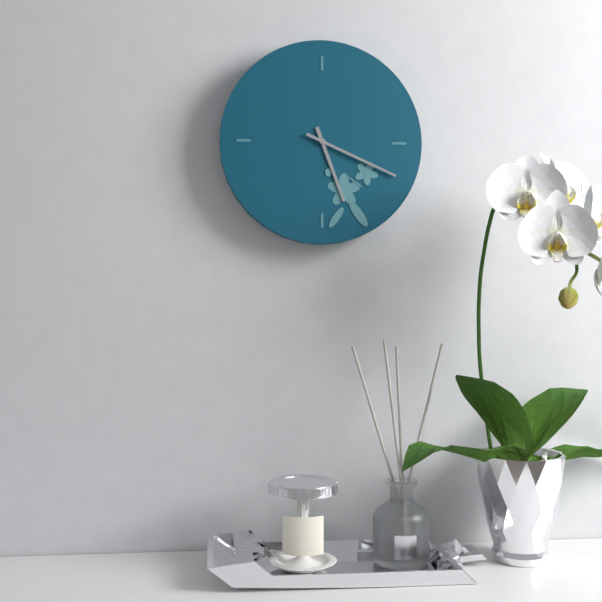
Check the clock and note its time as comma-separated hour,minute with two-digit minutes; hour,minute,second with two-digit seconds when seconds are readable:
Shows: 5,19
